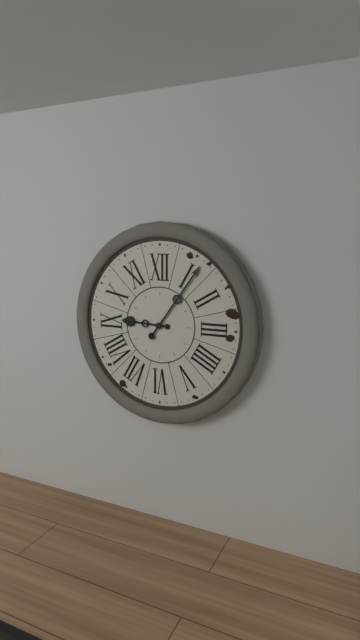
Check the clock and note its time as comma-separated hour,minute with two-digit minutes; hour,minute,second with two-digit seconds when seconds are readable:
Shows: 9,06
